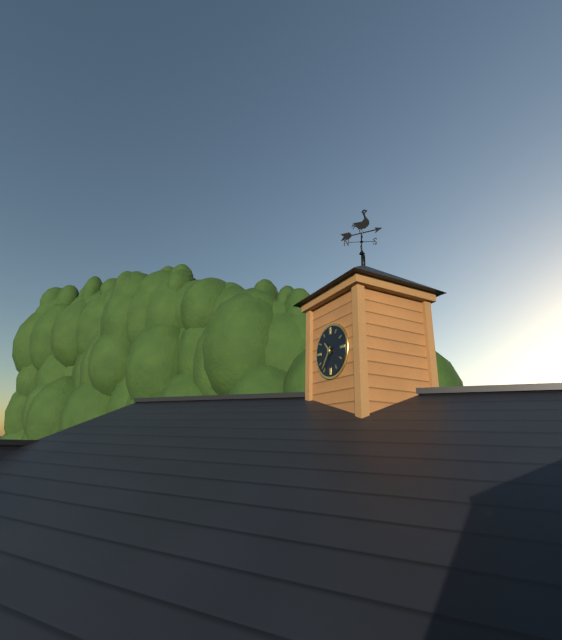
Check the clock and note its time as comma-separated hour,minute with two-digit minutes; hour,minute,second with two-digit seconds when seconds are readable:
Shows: 10,36
